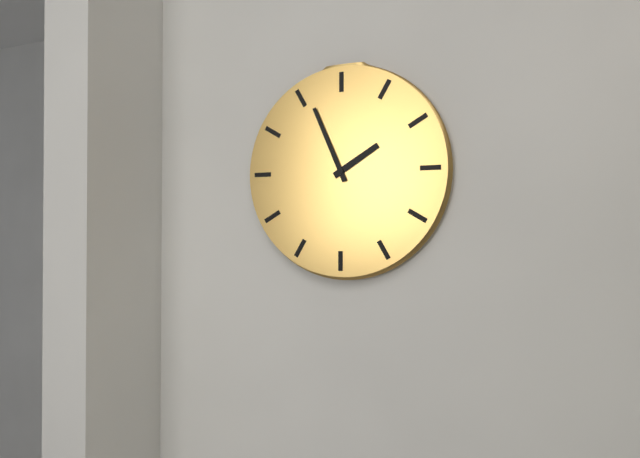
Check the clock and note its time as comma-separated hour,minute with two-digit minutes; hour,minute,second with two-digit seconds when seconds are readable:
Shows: 1,56
